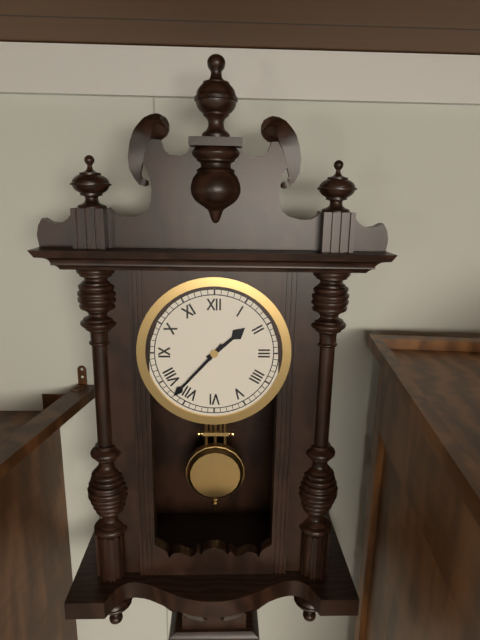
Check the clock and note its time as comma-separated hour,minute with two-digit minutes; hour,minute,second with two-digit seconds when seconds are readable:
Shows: 1,37
